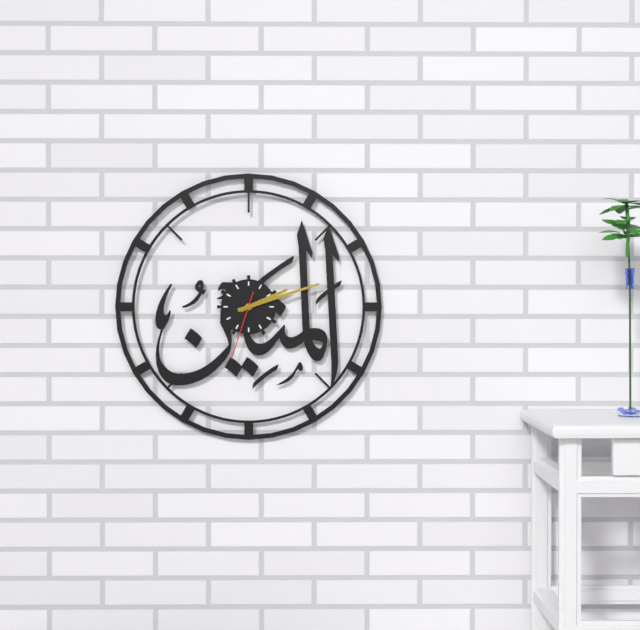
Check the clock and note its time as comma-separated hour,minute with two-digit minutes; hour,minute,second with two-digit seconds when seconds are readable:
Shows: 2,12,33
